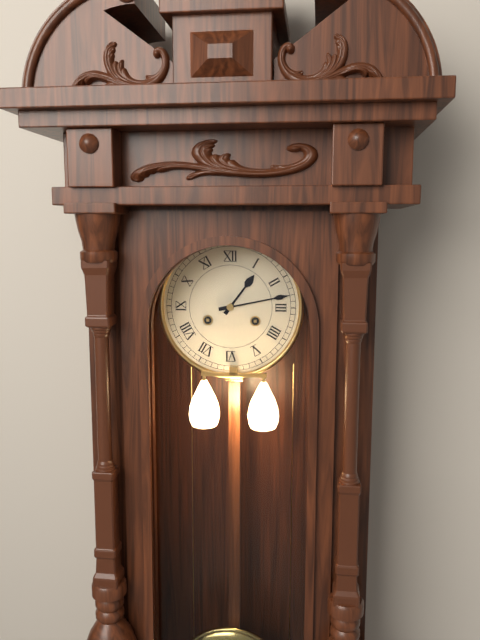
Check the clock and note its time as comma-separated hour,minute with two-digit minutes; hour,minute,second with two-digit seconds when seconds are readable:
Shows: 1,13
